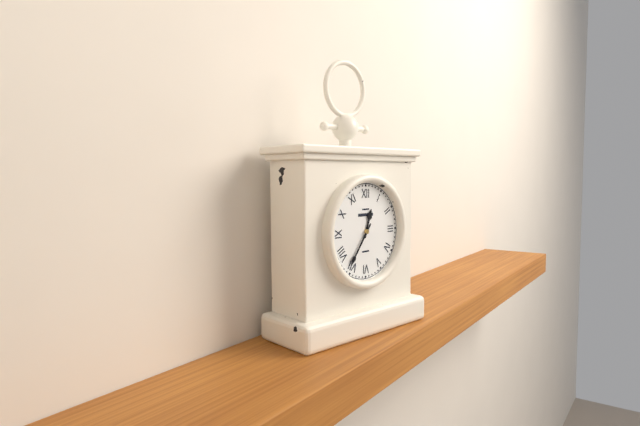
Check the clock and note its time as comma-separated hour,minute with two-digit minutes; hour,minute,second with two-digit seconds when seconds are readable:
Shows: 12,36
